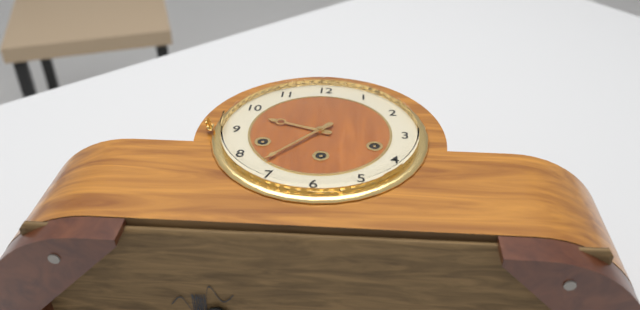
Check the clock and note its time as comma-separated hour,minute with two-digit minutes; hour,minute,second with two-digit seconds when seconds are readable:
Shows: 9,37
